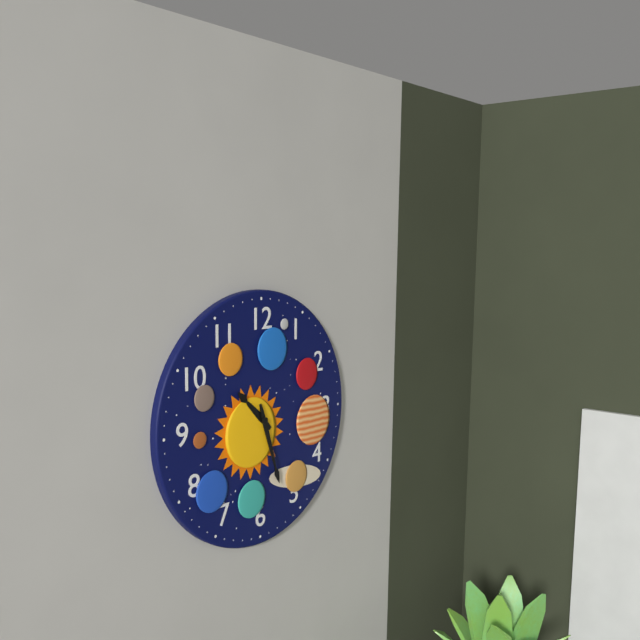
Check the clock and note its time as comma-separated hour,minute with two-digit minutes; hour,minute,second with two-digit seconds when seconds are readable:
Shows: 10,27
